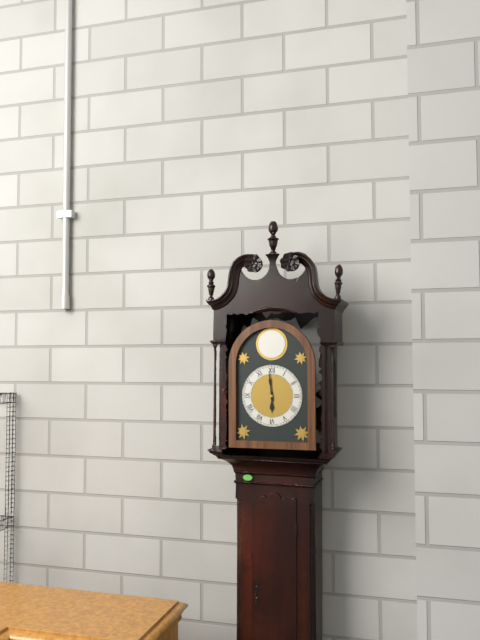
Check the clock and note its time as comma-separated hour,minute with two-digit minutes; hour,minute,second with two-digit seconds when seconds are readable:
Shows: 5,59
